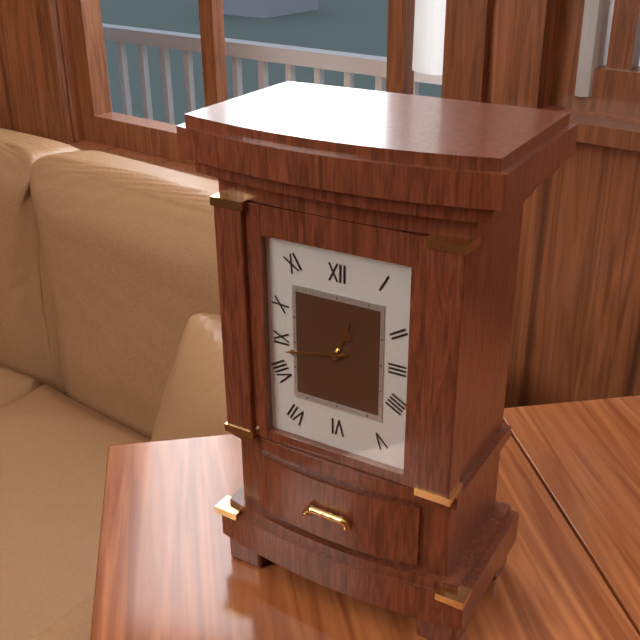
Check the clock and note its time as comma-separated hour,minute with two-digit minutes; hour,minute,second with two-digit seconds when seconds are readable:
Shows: 12,43
